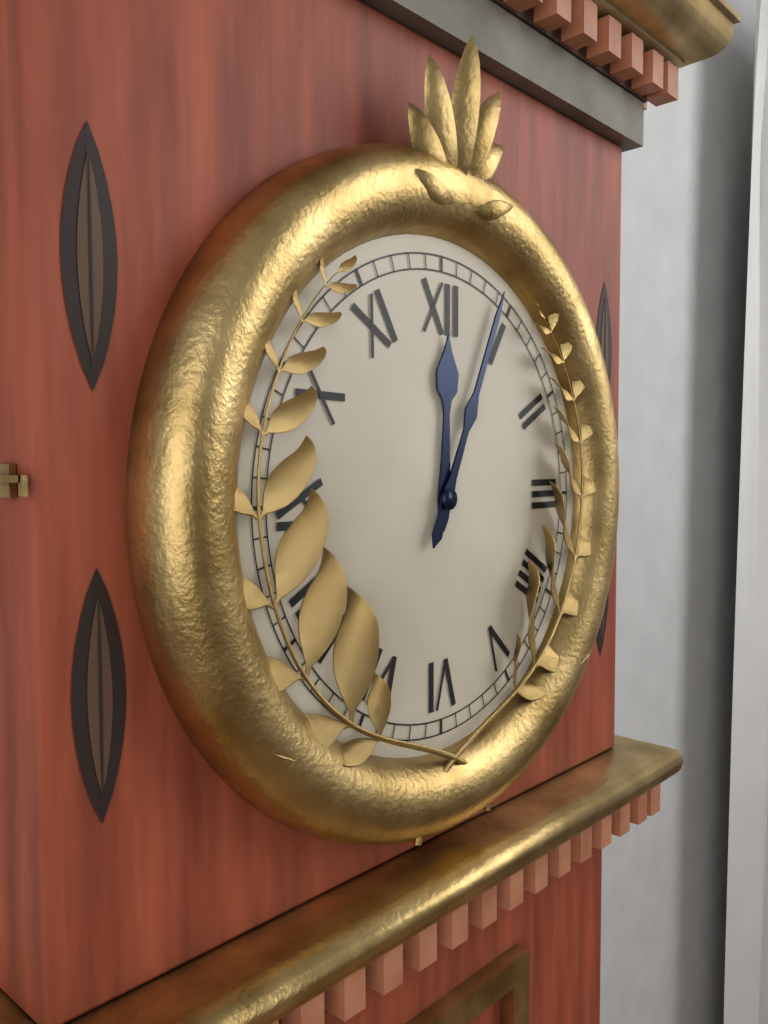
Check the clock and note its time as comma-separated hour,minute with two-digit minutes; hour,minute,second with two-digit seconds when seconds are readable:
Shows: 12,04
